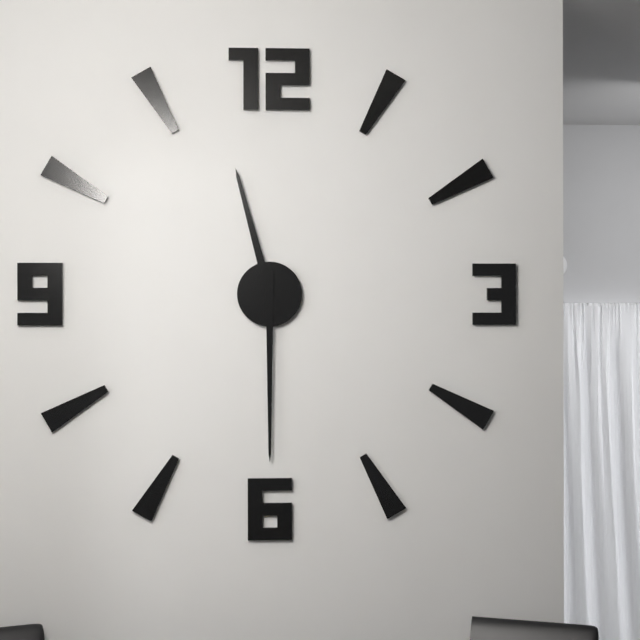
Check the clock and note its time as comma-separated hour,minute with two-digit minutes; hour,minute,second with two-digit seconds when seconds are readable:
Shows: 11,30
